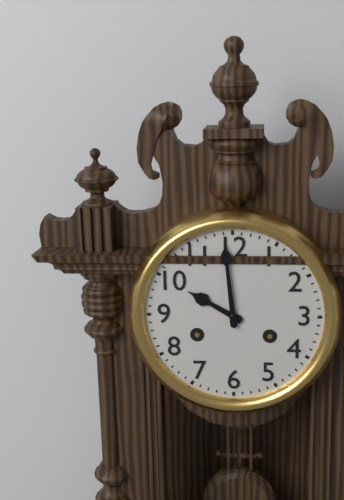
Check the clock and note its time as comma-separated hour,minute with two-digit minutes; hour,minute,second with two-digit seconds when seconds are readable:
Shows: 9,59
